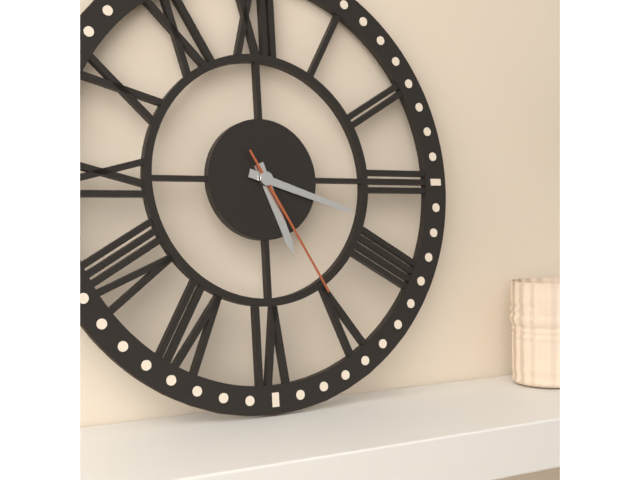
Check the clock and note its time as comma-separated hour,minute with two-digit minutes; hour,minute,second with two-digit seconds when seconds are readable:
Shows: 5,18,25
